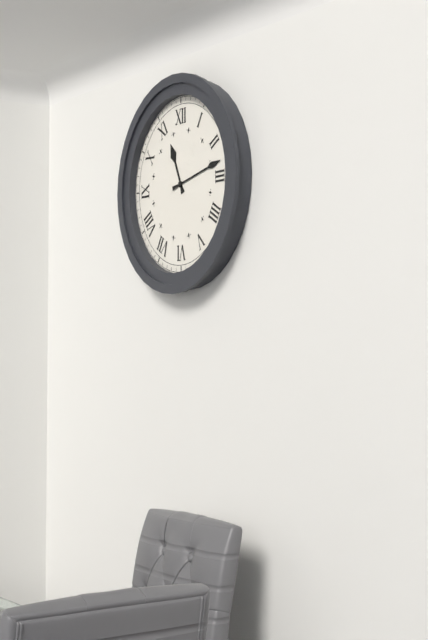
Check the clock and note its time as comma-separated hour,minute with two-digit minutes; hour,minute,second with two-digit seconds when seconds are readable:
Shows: 11,13
